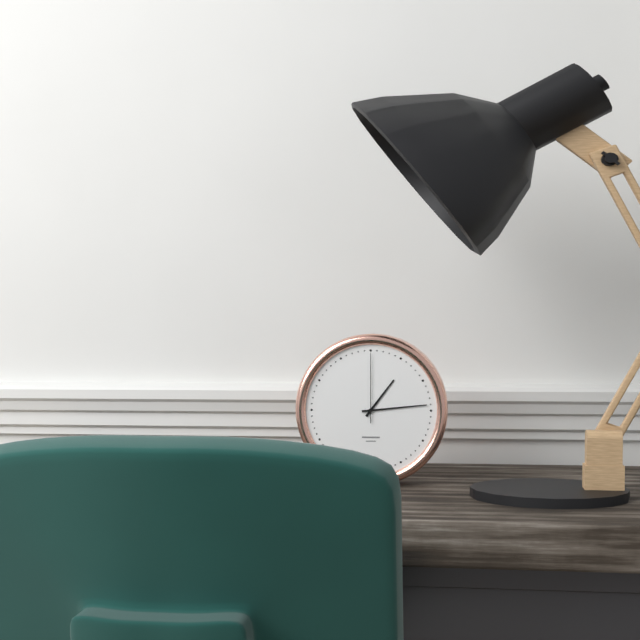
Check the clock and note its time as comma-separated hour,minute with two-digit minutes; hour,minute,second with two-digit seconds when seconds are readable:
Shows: 1,14,00
